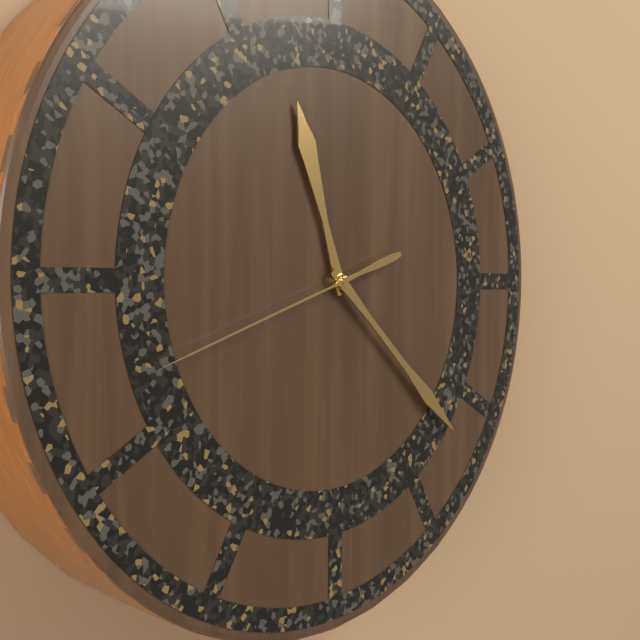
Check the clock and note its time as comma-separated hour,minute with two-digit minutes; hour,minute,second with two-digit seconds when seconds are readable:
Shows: 11,22,42
